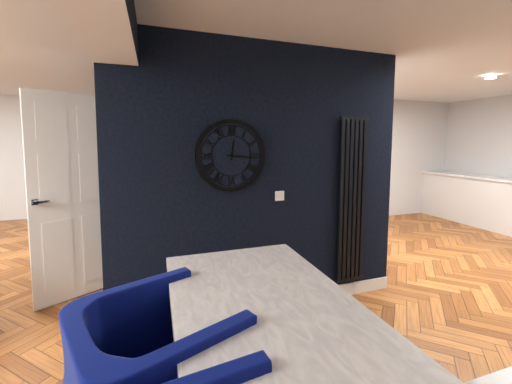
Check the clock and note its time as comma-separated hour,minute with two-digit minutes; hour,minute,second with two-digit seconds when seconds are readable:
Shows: 12,16
